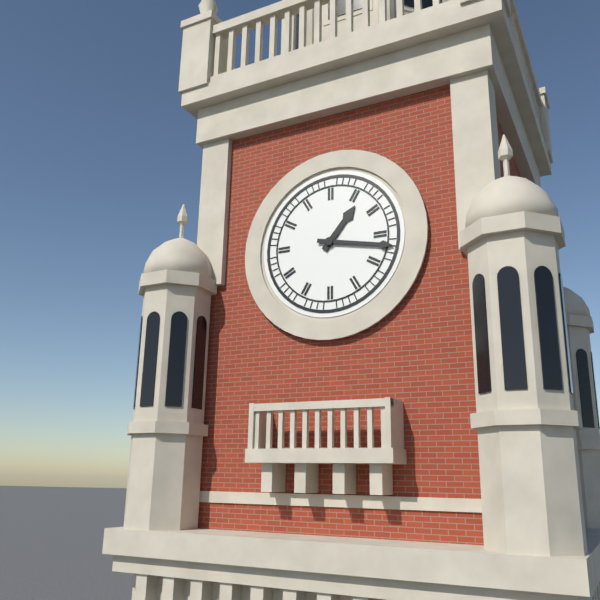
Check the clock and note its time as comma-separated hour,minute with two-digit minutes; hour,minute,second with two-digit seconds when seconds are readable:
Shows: 1,17
